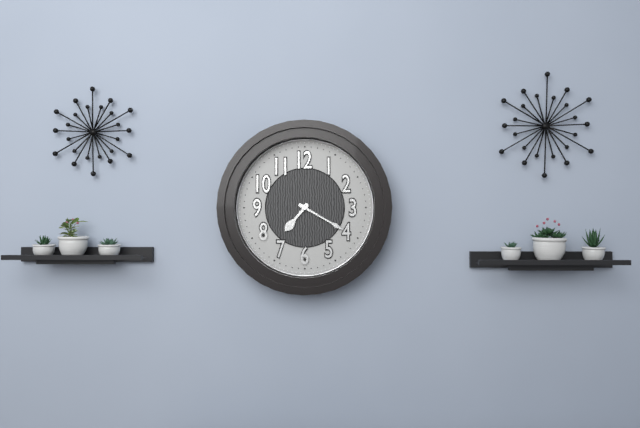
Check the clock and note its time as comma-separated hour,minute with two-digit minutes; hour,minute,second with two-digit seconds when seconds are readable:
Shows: 7,20
